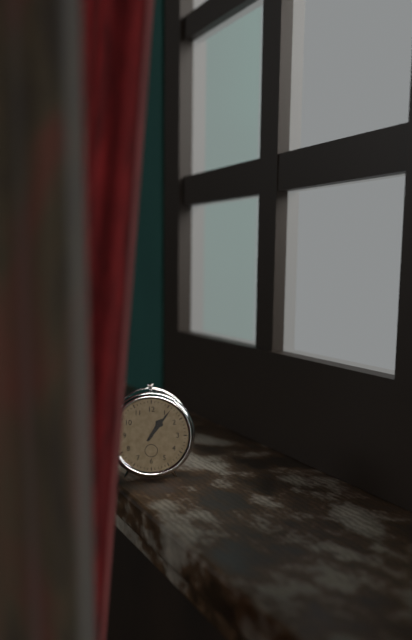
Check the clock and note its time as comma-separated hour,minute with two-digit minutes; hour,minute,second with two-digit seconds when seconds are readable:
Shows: 1,06
